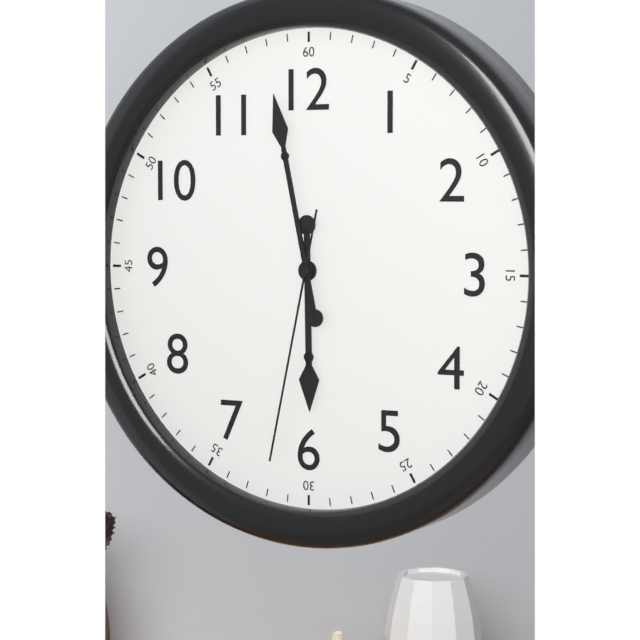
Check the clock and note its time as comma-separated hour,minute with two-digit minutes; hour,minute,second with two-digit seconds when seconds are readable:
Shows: 5,58,32
